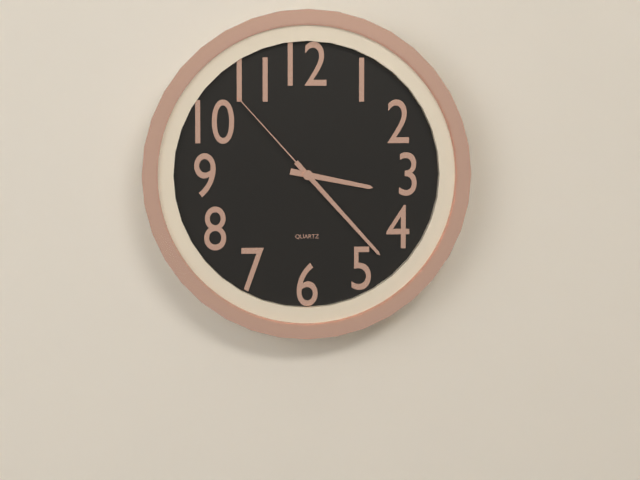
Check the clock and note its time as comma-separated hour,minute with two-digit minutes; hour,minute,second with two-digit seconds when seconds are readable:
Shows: 3,23,53
